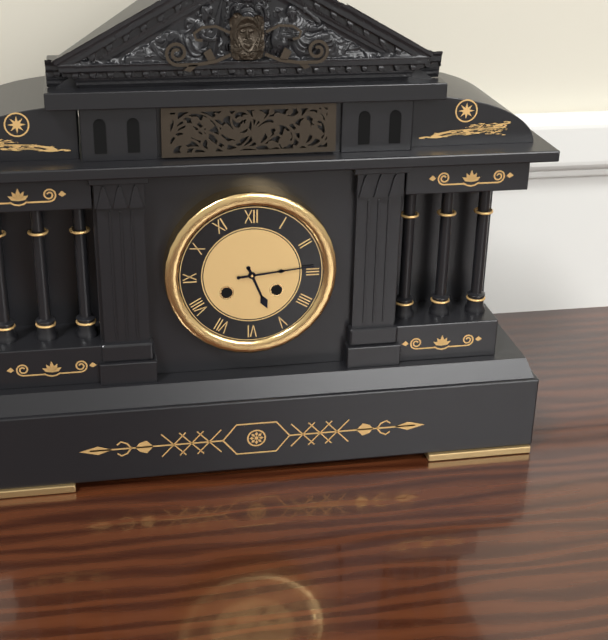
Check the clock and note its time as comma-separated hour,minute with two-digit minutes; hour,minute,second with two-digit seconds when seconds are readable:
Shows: 5,14
